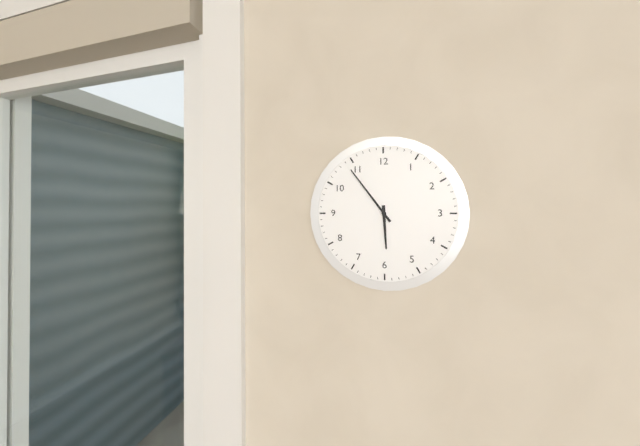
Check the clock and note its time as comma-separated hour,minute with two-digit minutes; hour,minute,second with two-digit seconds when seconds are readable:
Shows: 5,54
